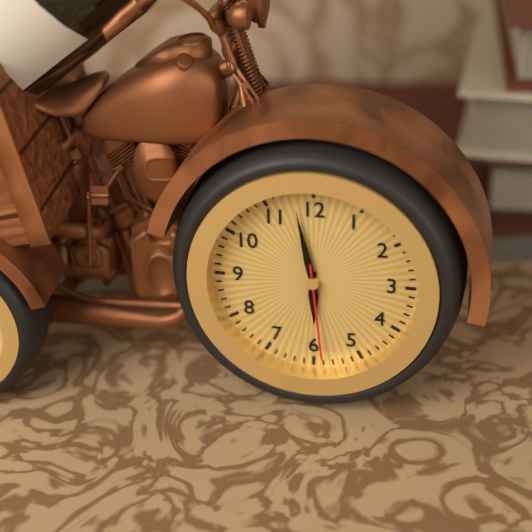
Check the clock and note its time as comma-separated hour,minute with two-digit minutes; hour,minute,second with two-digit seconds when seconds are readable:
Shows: 5,58,29
